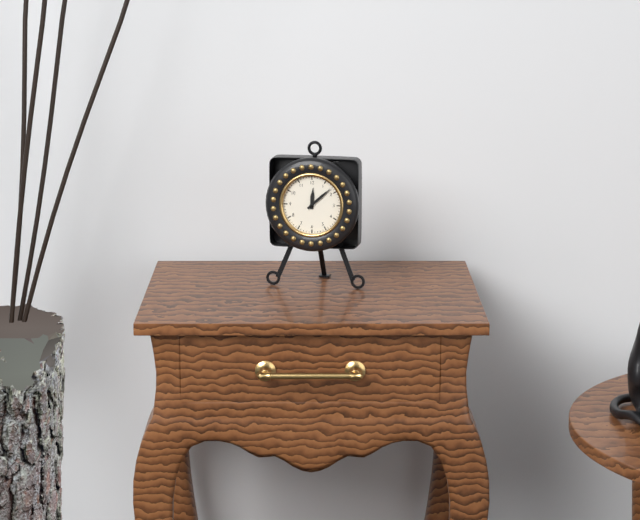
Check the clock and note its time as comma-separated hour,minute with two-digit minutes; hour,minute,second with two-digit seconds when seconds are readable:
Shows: 12,08
